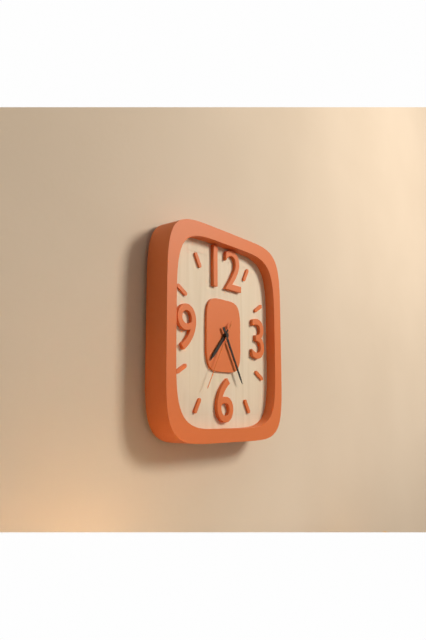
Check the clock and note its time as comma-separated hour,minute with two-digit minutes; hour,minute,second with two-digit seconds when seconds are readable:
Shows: 7,25,35
